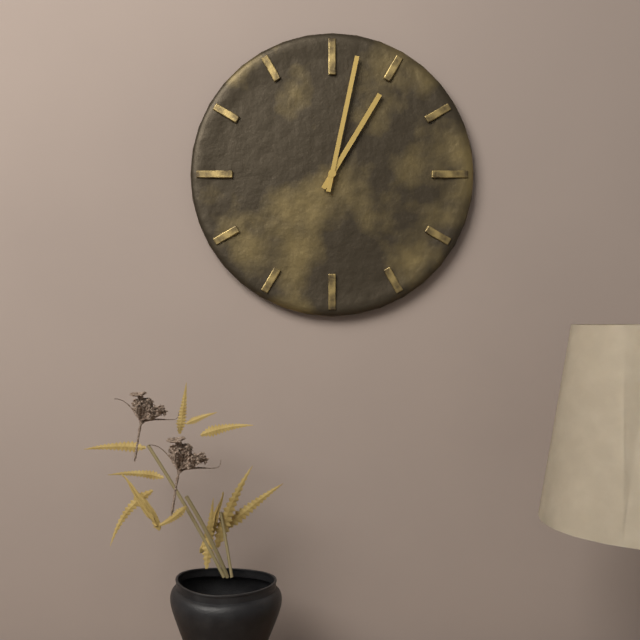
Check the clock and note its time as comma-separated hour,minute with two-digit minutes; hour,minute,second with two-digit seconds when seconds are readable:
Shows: 1,02
